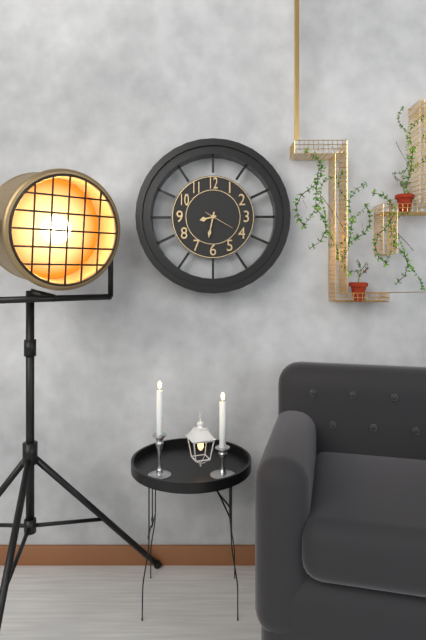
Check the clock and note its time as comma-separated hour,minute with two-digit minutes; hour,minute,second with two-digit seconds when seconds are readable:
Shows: 8,32
